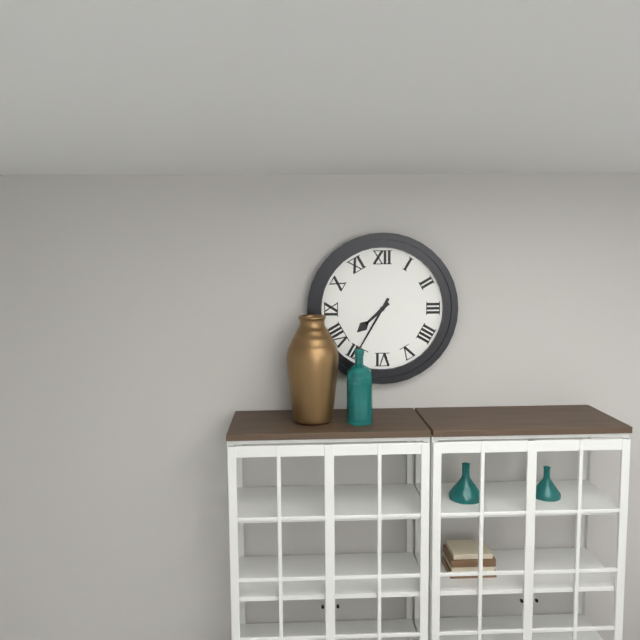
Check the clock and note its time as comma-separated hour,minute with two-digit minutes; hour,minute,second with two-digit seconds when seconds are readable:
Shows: 7,35
